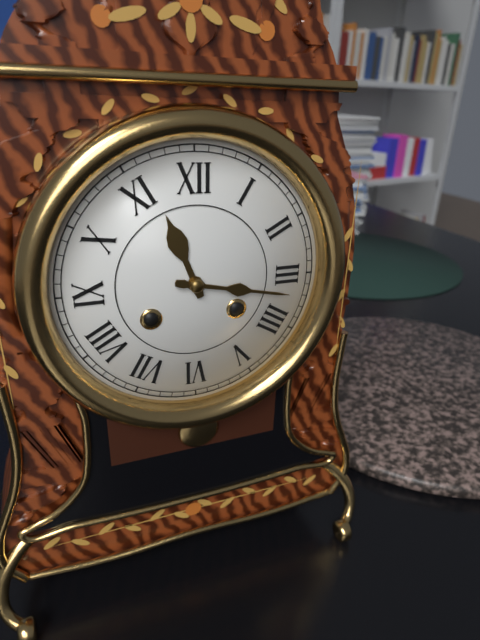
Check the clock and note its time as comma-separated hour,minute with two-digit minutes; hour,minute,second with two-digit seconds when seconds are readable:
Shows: 11,17
